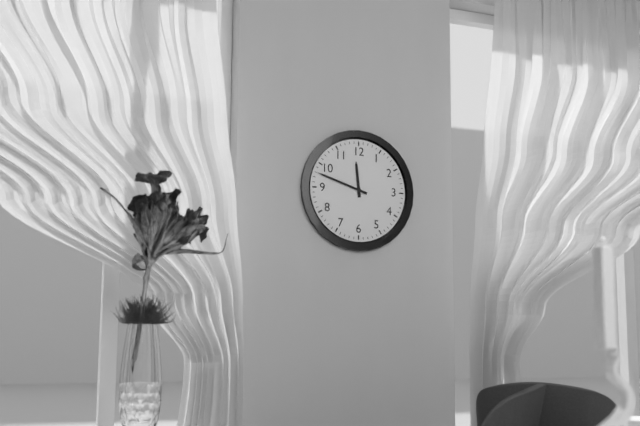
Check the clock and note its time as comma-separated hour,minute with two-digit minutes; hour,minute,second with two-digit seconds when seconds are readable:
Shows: 11,48
